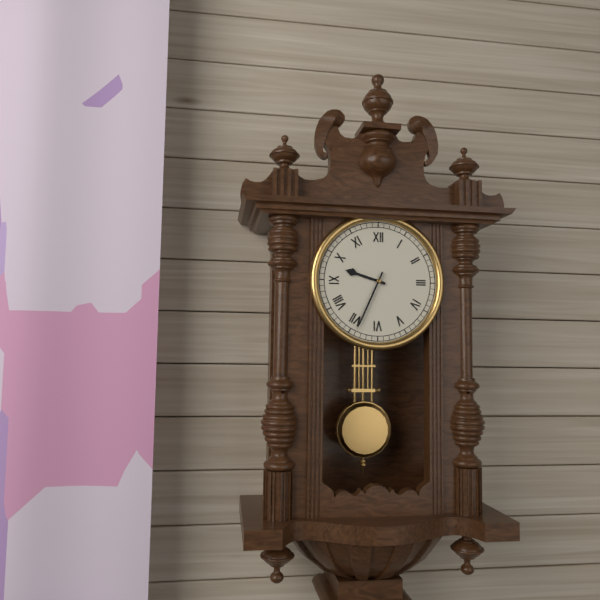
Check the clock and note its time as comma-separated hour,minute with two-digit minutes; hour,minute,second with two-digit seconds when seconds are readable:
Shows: 9,34
